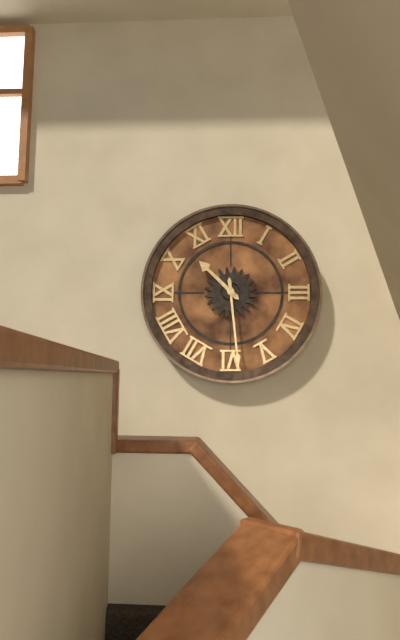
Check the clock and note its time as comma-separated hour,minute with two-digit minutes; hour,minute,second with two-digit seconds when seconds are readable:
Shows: 10,29
